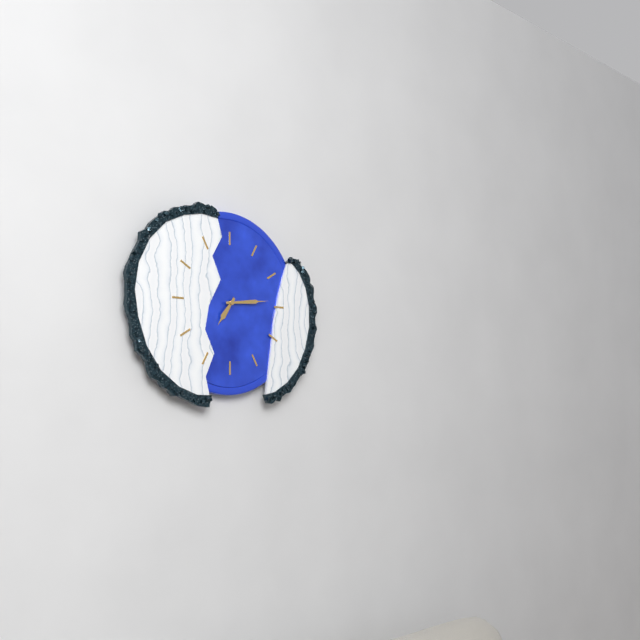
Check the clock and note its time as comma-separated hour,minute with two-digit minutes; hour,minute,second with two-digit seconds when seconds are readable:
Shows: 7,14
